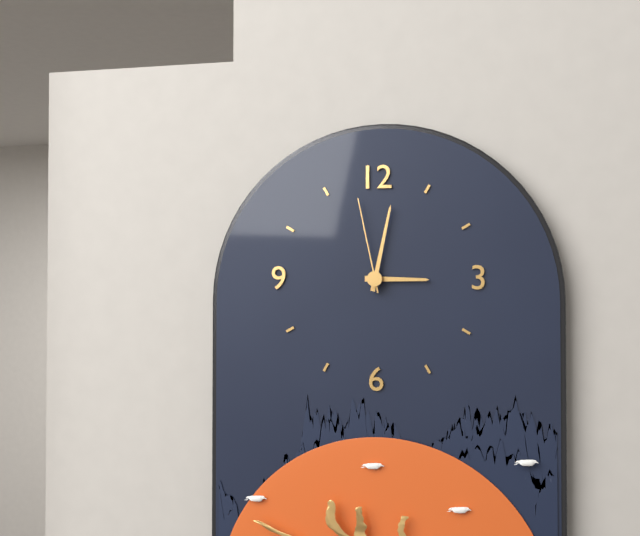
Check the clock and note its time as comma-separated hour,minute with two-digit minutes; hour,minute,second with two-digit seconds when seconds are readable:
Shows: 3,02,58
